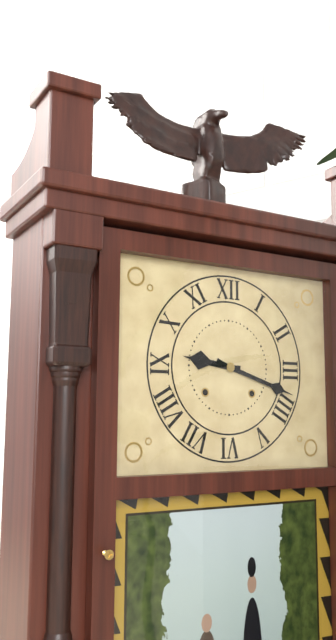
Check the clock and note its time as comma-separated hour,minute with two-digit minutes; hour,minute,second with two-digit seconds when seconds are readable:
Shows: 9,18
